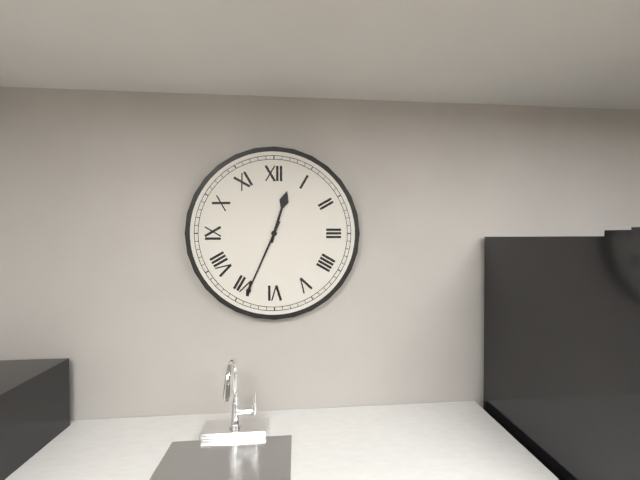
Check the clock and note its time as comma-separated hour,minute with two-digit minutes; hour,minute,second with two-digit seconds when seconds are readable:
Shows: 12,34
